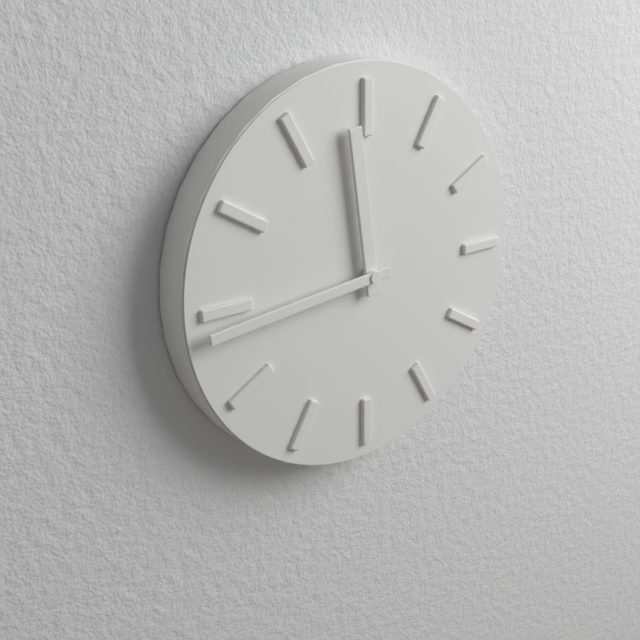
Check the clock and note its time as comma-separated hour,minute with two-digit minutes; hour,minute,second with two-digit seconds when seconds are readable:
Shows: 11,44
